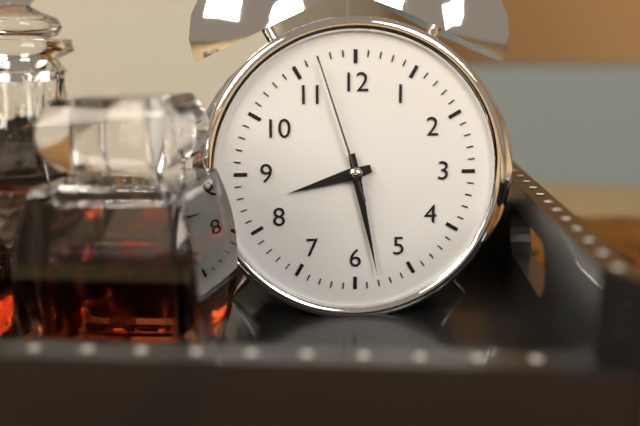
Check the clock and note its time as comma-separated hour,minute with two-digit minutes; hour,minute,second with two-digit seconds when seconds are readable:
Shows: 8,28,57
